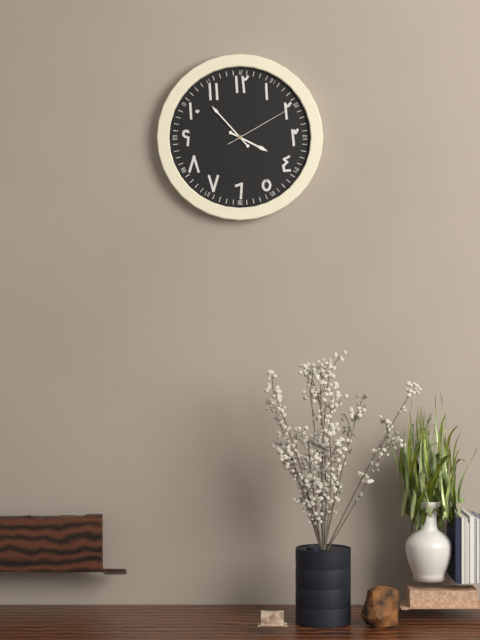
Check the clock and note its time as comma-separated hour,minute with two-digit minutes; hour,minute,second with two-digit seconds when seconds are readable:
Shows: 3,53,10
